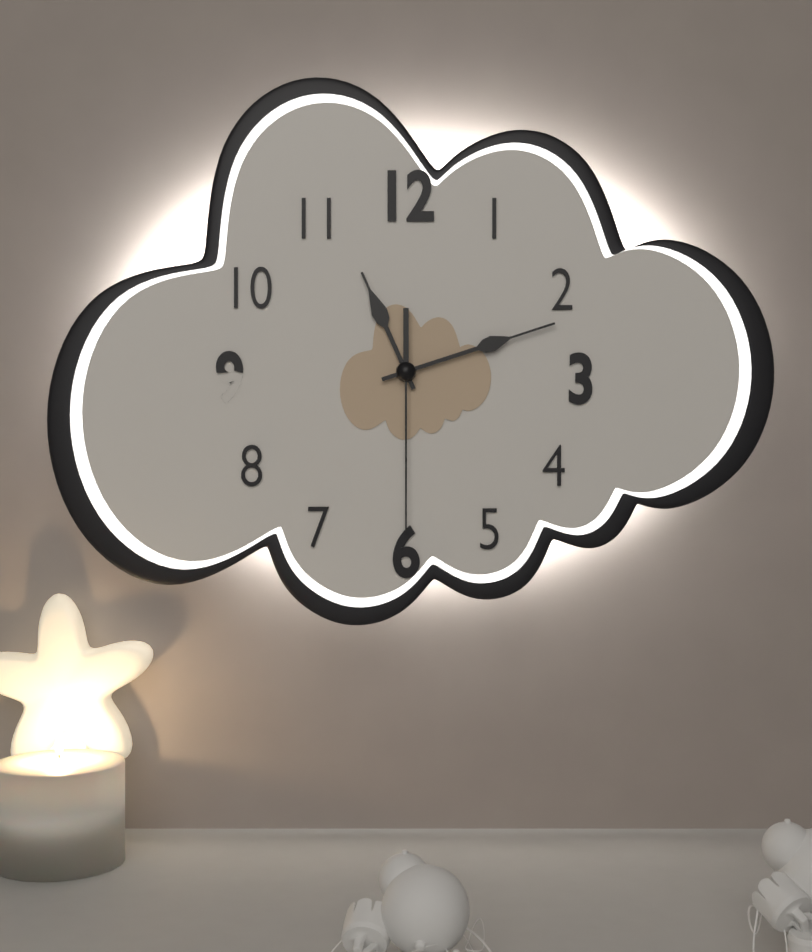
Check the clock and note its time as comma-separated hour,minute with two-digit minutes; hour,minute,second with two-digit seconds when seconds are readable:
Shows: 11,12,30
